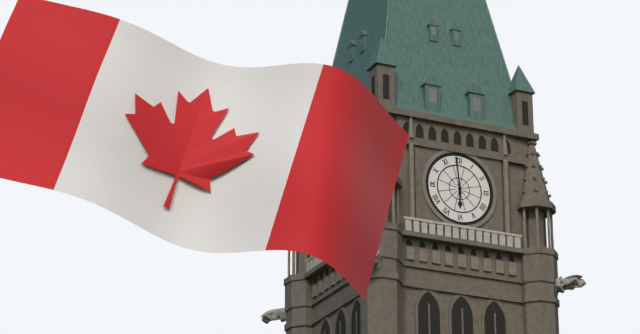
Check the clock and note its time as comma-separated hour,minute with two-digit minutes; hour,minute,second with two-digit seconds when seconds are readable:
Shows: 5,59
